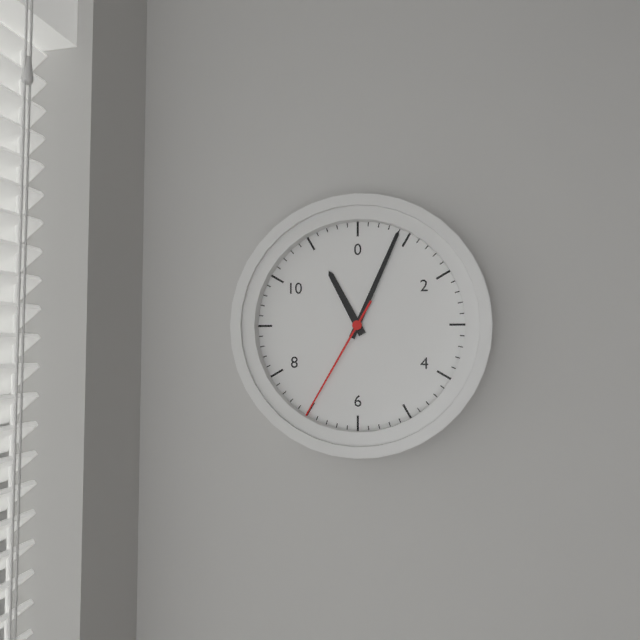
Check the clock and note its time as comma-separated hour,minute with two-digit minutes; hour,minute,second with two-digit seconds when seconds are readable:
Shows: 11,04,35
